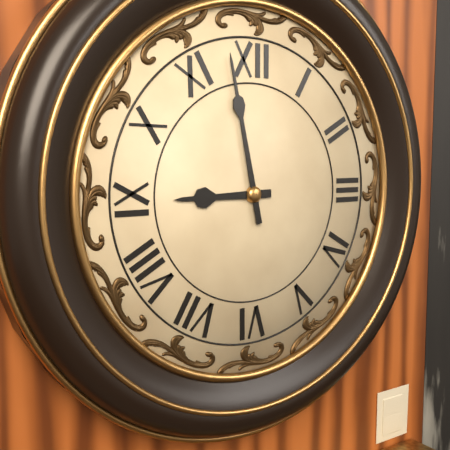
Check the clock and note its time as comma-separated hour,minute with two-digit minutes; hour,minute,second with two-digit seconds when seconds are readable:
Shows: 8,58
